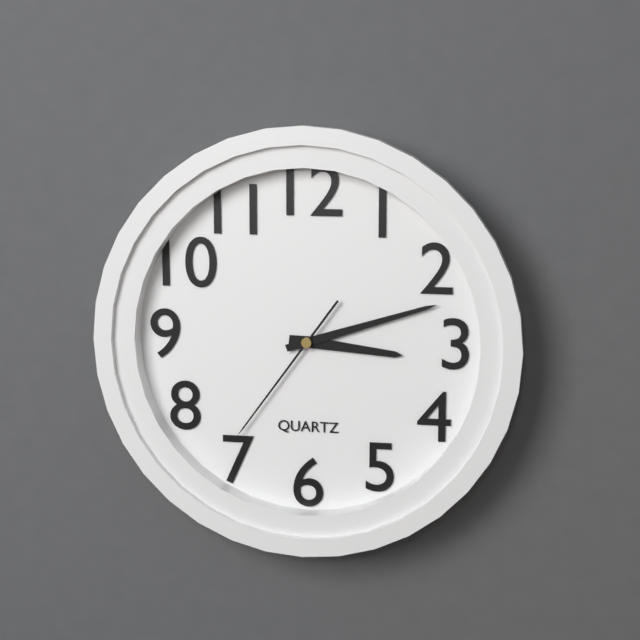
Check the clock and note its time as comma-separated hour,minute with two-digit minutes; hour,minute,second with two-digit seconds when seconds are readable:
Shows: 3,12,36
